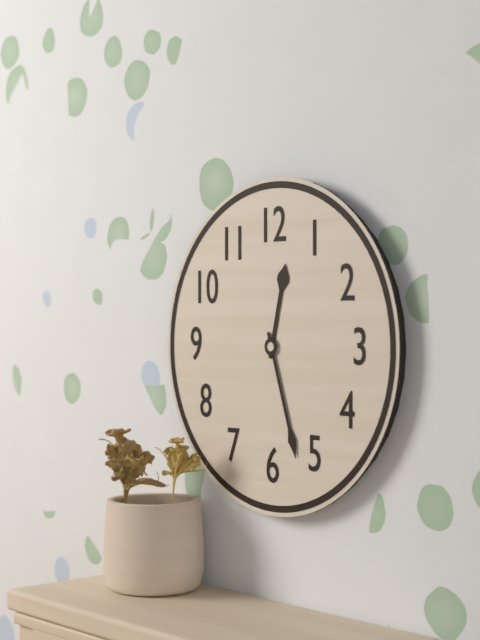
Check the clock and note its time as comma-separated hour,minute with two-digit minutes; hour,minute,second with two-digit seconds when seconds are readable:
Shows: 12,27
